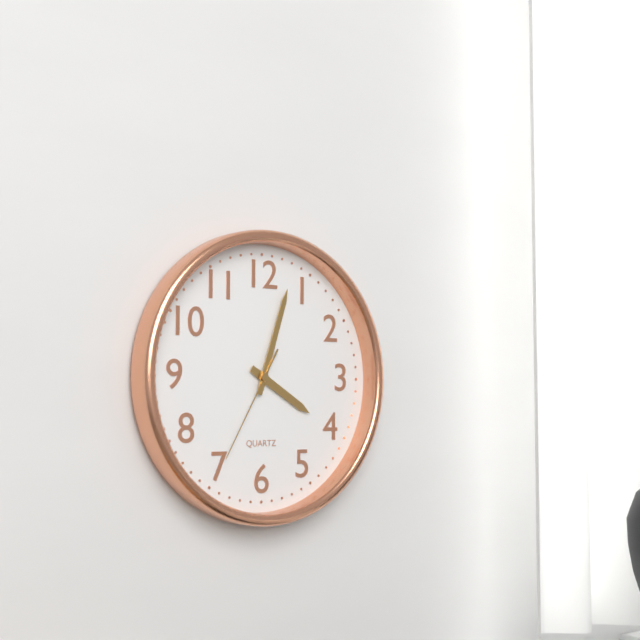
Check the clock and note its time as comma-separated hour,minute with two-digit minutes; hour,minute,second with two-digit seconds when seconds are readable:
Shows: 4,03,35
